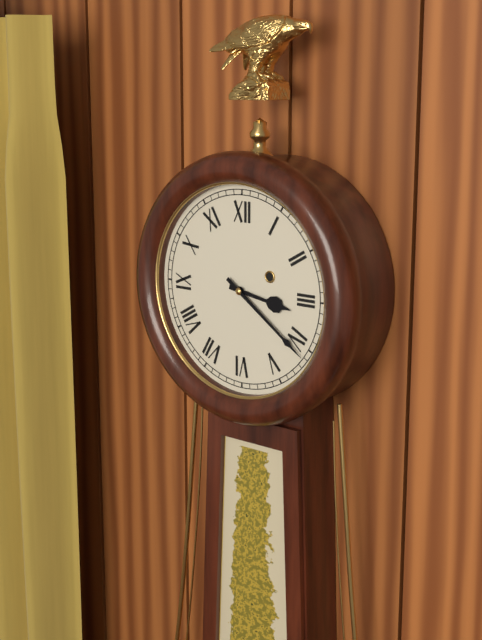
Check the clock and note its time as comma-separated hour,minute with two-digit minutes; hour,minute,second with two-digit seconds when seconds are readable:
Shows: 3,21
